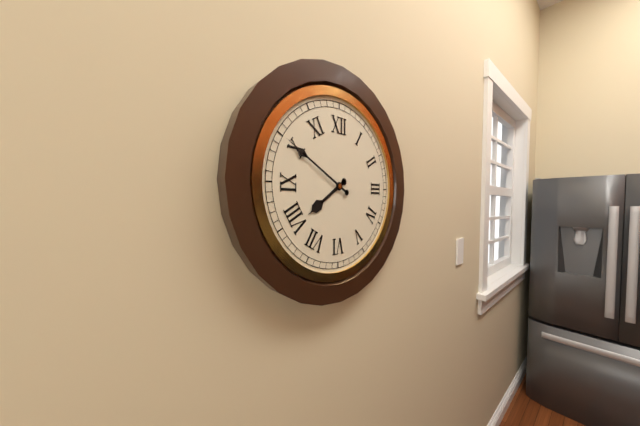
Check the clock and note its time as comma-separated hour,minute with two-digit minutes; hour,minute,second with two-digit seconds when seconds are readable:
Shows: 7,50
